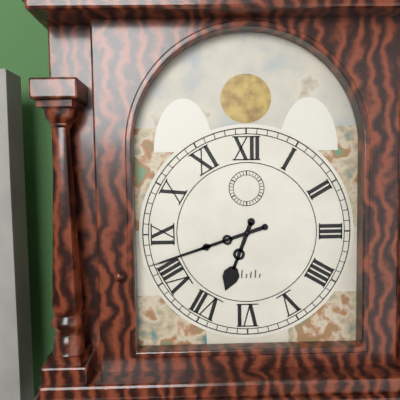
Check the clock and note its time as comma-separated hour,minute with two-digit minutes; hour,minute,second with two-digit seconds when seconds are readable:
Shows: 6,42
